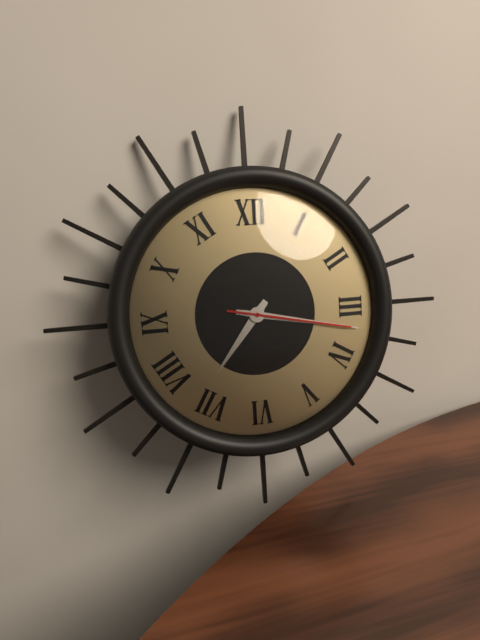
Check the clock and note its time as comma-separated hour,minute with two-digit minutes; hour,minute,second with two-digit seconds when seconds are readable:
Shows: 7,17,17
